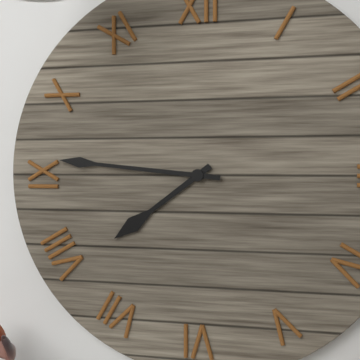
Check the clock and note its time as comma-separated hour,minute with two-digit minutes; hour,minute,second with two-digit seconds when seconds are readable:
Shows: 7,46
